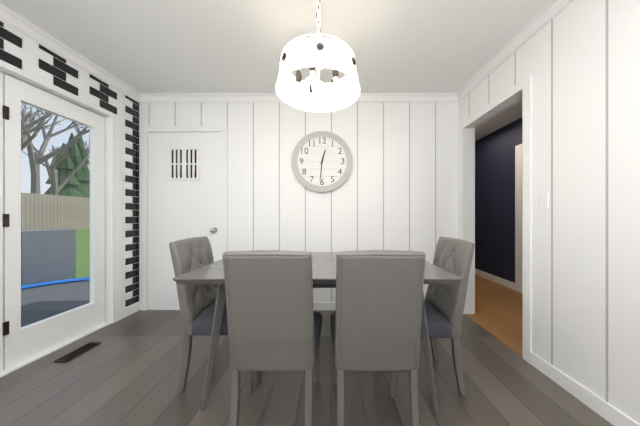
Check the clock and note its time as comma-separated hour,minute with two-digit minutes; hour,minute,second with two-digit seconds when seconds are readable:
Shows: 12,31
